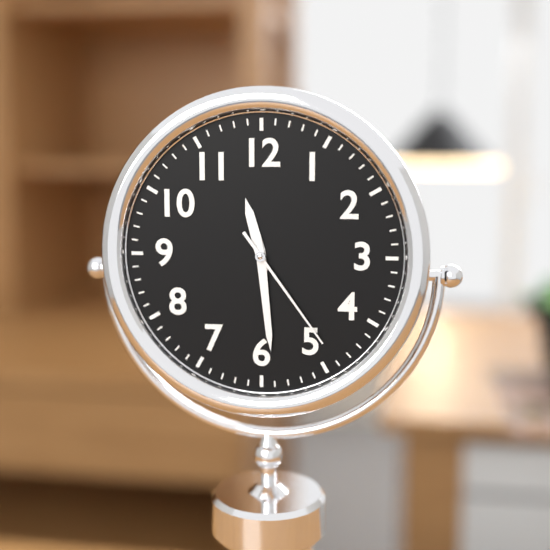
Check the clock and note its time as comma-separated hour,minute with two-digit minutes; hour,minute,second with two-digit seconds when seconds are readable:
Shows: 11,29,24
